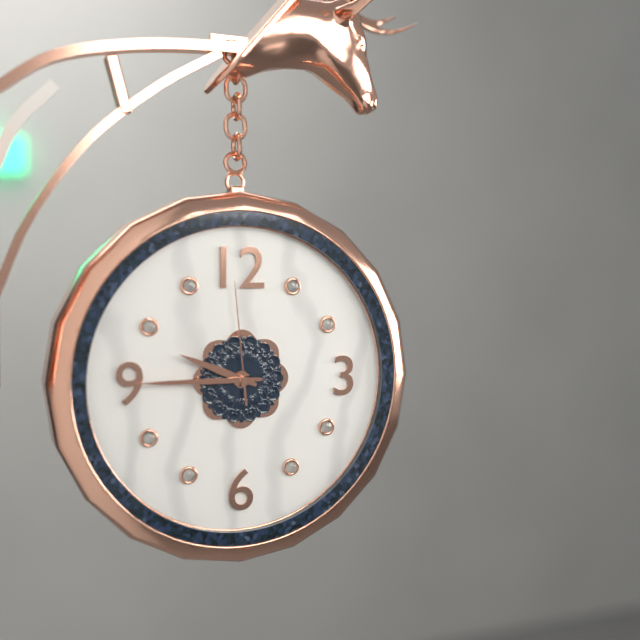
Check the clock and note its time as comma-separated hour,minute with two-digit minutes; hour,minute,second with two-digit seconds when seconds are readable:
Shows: 9,45,59
